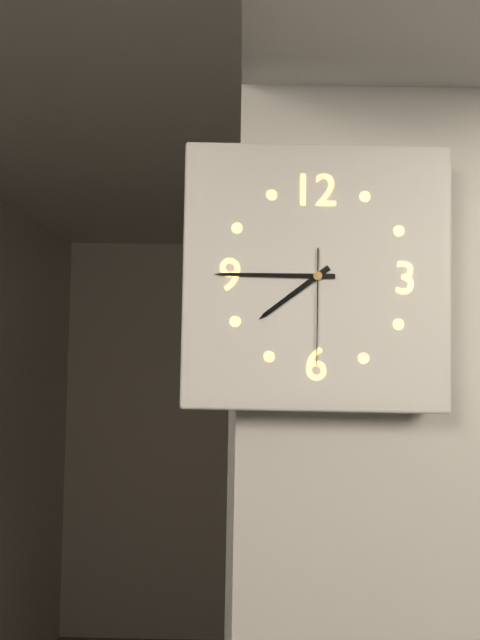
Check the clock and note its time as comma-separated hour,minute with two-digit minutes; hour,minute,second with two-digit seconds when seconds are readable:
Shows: 7,45,30
